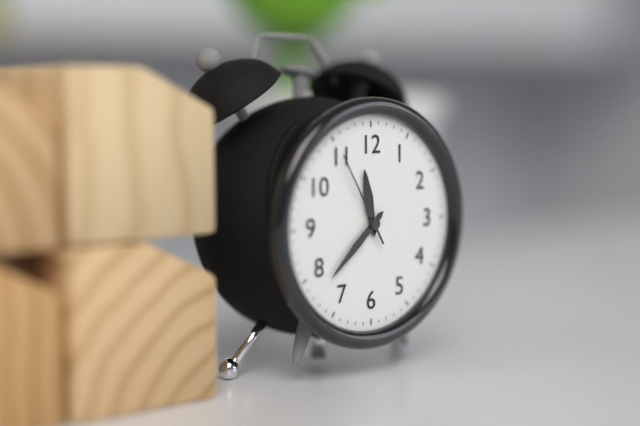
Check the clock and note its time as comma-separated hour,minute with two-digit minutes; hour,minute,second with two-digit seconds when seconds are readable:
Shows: 11,38,55
